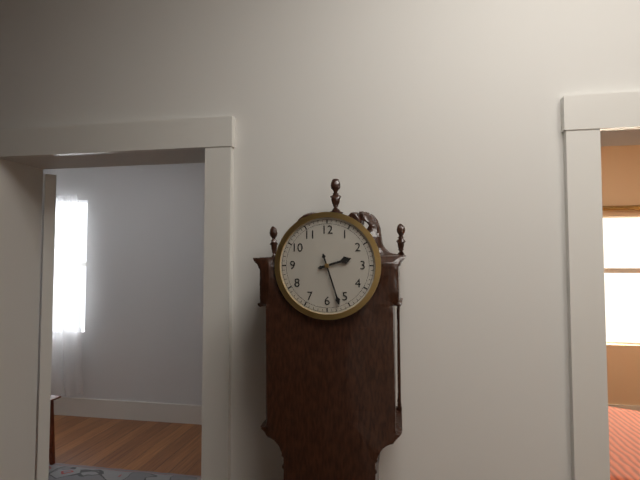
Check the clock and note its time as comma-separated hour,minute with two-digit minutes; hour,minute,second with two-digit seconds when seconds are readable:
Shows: 2,27
